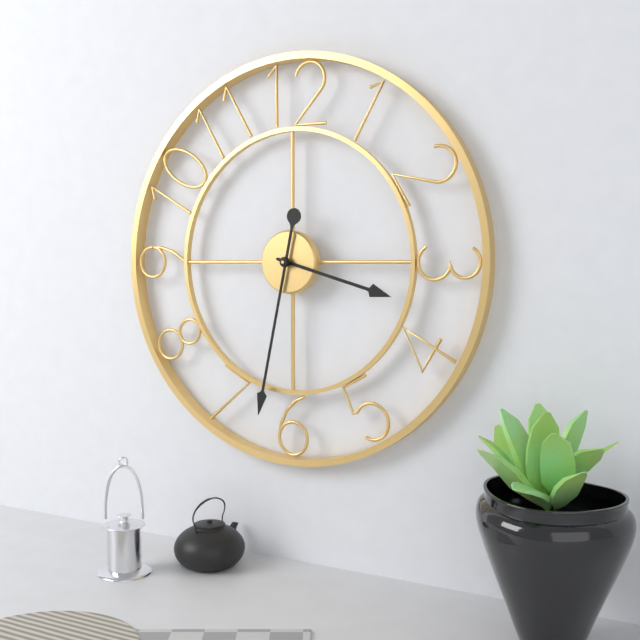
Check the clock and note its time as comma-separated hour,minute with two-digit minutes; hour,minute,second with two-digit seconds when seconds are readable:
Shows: 3,32
